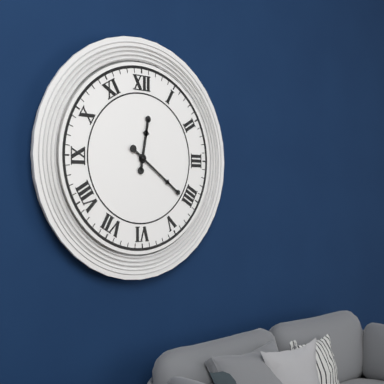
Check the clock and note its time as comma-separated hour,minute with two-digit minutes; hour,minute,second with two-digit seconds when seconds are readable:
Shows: 12,21
